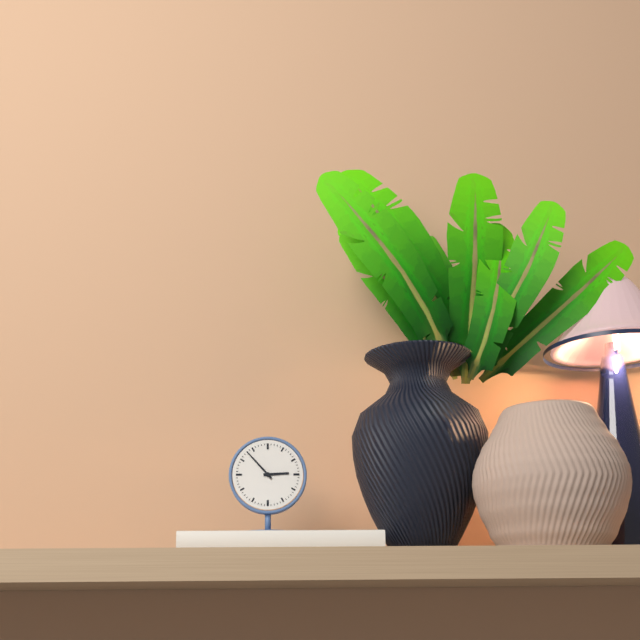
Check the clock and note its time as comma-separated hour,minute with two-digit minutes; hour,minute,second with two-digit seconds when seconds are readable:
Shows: 2,53
